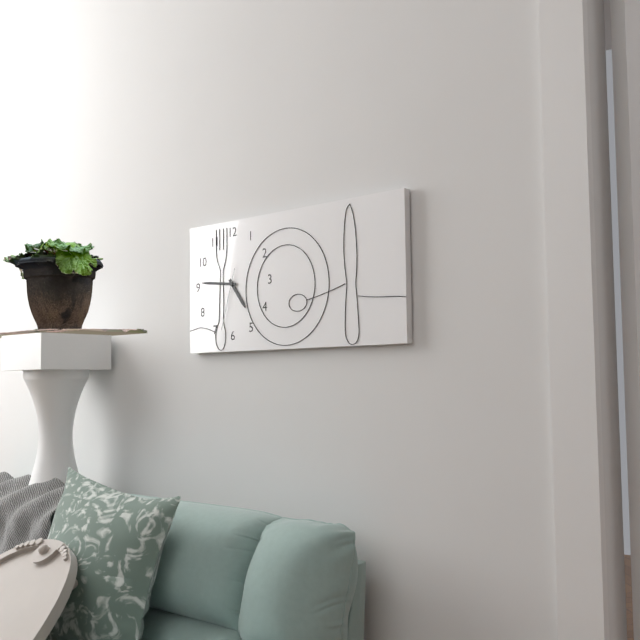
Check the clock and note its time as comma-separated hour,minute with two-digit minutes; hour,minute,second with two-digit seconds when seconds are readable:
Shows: 4,46,33
